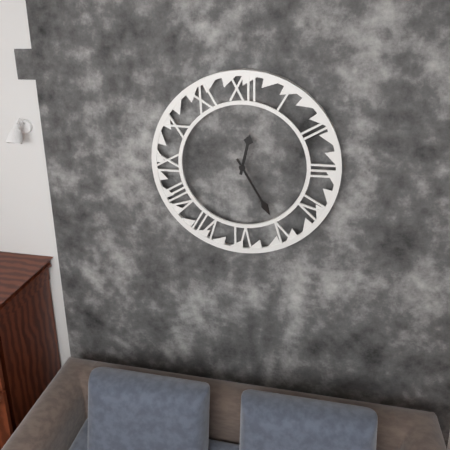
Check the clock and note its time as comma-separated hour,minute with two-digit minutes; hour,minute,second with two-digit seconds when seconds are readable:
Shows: 12,25
